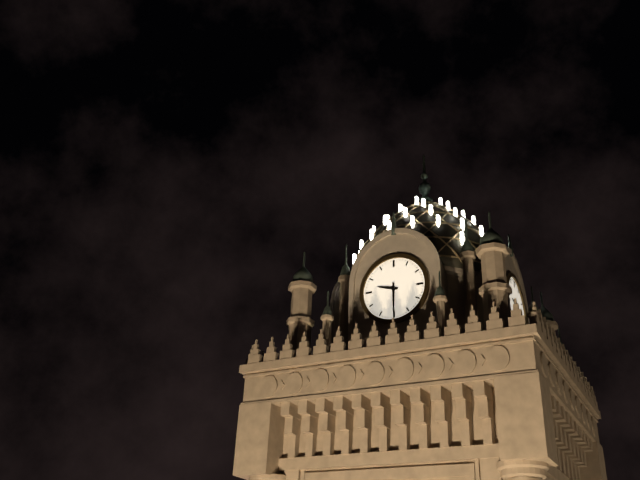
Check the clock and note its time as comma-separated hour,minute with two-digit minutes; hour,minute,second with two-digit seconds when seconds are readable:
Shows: 9,30
